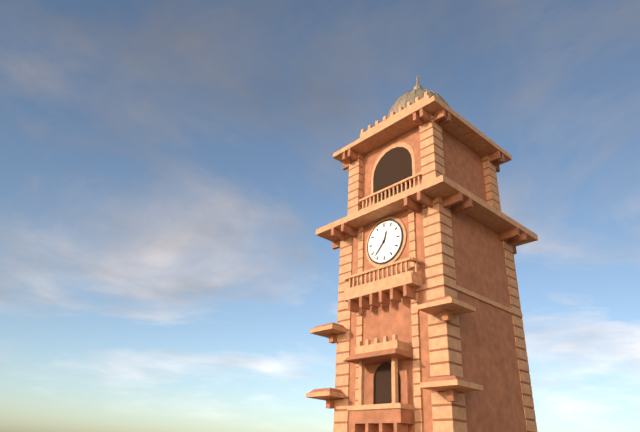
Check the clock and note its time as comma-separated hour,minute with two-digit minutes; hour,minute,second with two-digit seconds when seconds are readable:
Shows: 12,37
